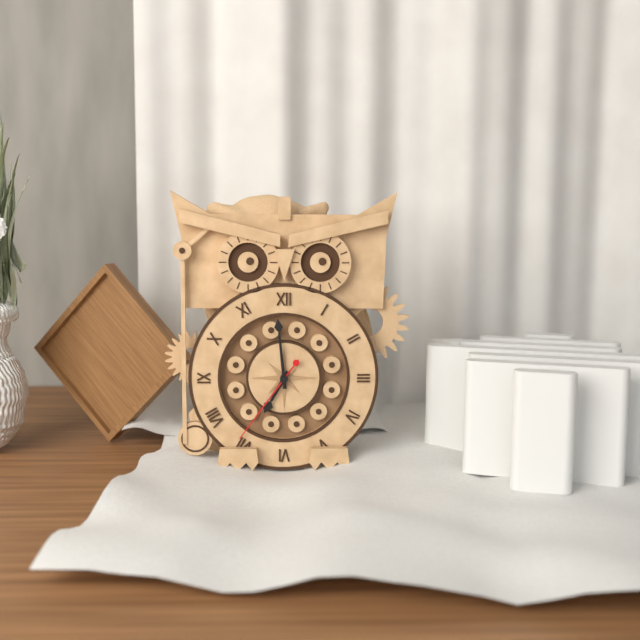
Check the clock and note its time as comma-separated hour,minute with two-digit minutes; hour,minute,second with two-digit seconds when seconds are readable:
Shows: 6,59,36
